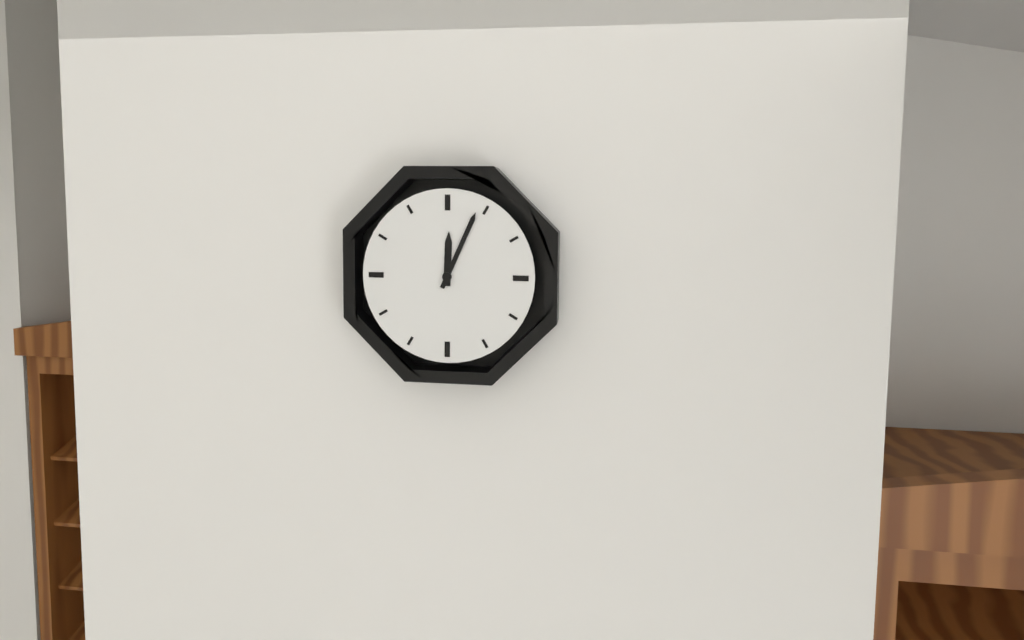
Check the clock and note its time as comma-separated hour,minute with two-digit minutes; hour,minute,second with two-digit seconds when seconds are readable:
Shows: 12,04
